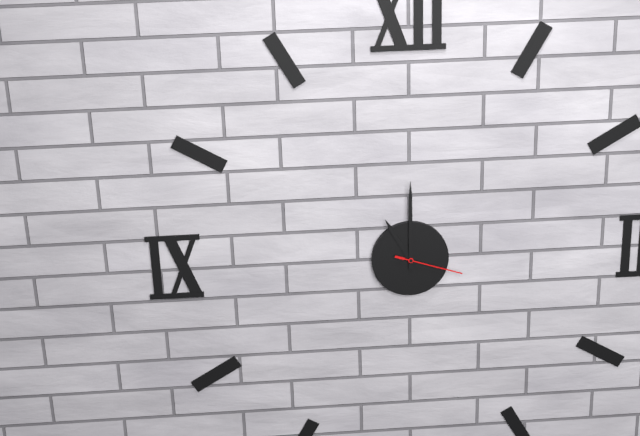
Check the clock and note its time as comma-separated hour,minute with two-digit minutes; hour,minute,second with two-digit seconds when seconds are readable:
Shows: 11,00,18
